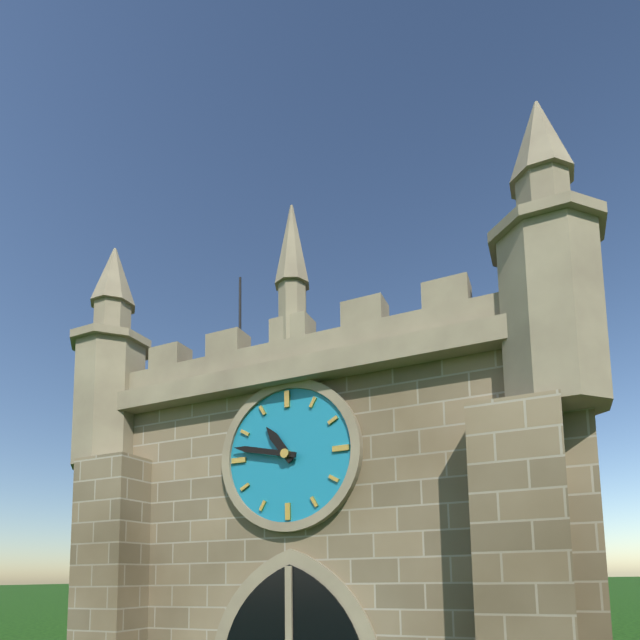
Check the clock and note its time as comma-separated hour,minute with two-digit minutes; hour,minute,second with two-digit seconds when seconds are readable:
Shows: 10,47
